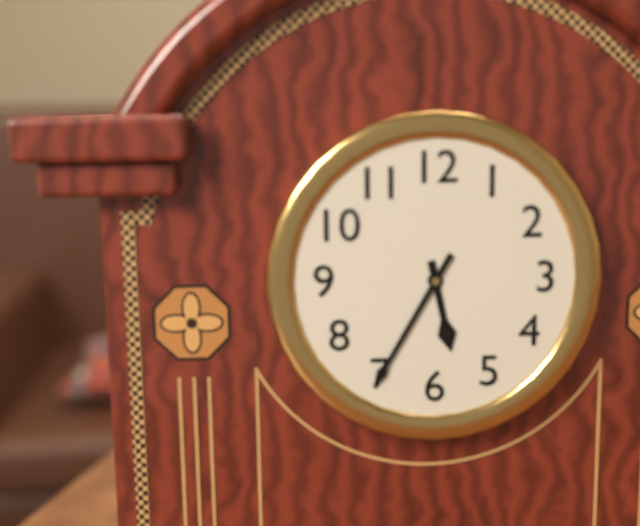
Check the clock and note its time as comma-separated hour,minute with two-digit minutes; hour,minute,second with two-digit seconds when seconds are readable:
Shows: 5,35
